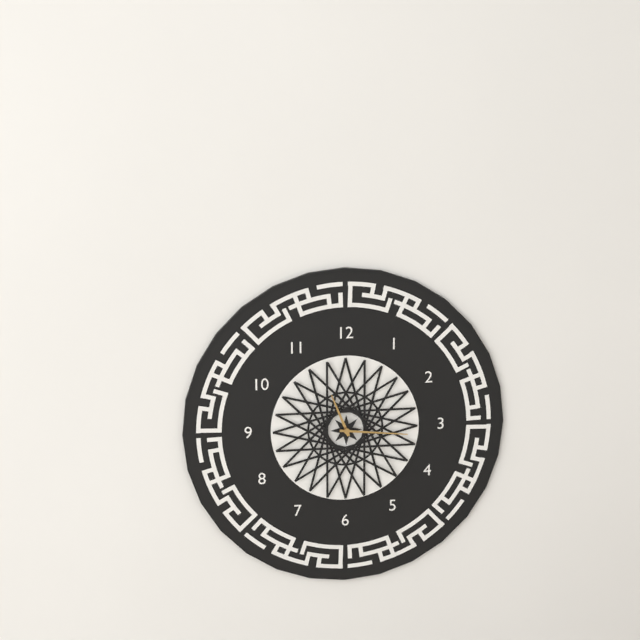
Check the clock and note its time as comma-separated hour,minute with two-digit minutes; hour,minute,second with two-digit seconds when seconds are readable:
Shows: 11,16
